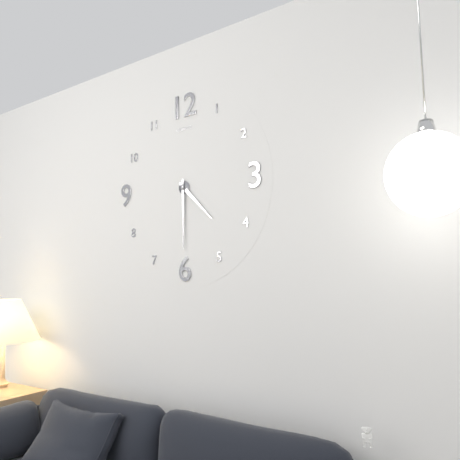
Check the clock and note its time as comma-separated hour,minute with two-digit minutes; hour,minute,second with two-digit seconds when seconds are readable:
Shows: 4,30
